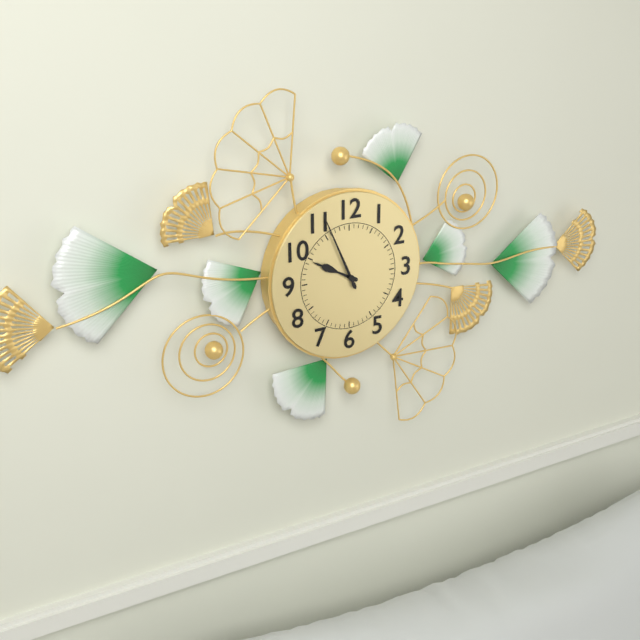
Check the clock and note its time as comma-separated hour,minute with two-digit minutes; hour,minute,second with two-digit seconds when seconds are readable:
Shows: 9,56
